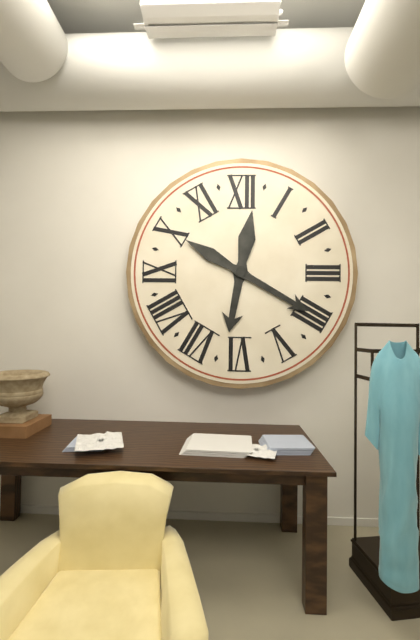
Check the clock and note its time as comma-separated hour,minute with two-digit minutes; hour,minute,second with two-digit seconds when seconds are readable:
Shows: 6,20
